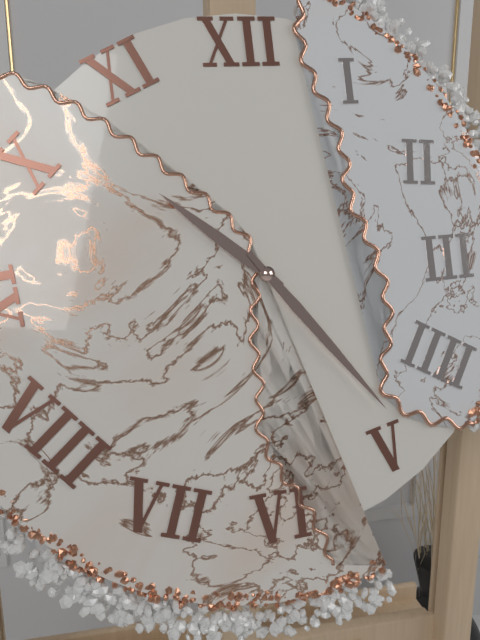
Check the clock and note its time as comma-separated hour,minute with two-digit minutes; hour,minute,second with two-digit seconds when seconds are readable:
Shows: 10,24
